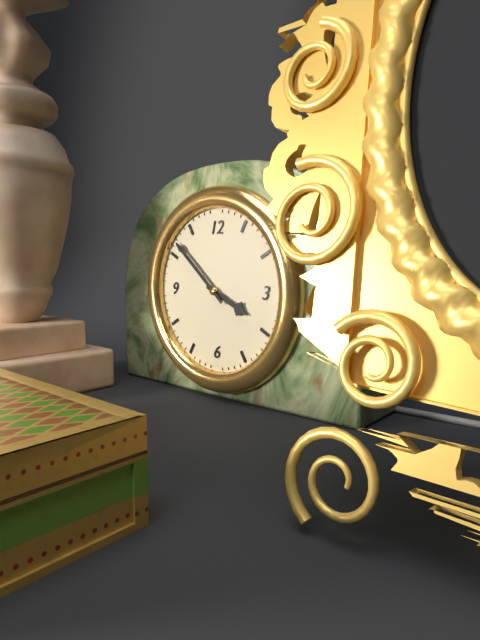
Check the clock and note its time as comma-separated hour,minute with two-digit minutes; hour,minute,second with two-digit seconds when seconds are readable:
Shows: 3,52
